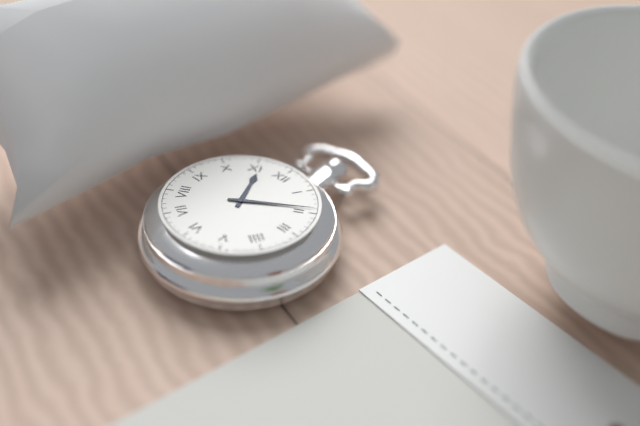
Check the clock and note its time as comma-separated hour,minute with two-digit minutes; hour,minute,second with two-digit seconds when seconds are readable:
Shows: 11,09
